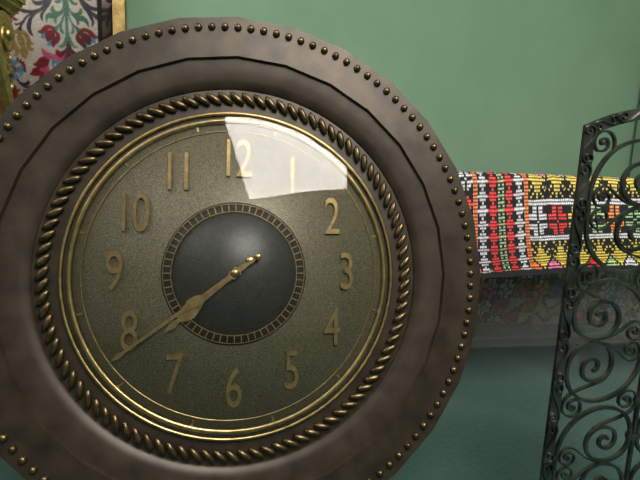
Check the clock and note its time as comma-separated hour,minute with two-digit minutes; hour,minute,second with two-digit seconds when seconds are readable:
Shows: 7,39
